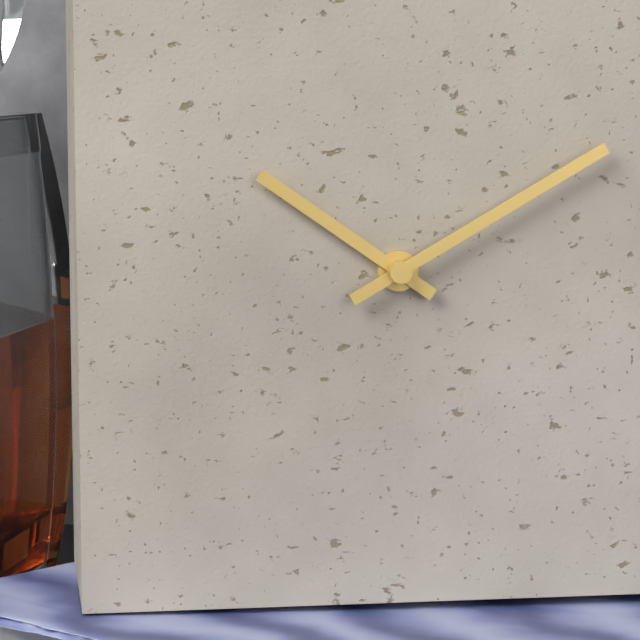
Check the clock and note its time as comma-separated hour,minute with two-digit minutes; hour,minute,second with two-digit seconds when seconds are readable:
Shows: 10,10
